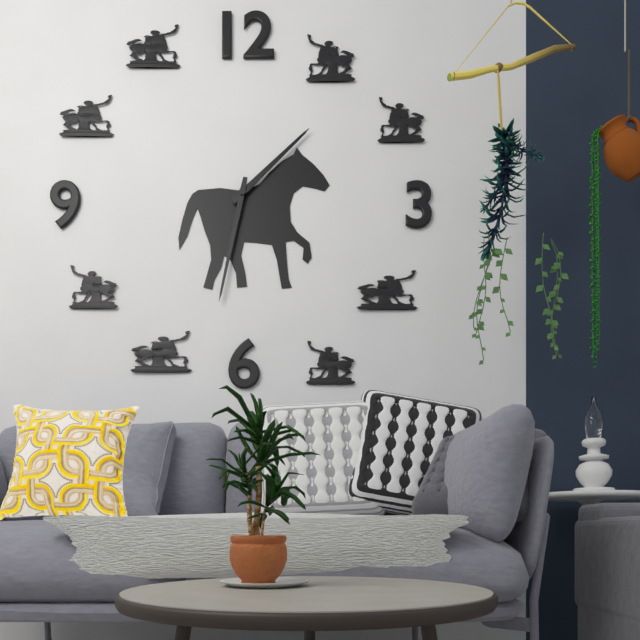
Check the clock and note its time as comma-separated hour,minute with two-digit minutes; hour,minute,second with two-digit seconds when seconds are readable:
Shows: 1,32
